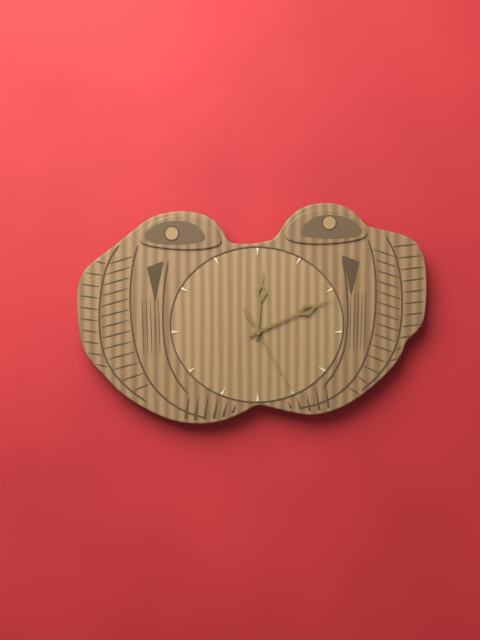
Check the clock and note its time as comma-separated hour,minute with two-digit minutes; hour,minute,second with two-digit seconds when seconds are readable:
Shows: 12,11,25
